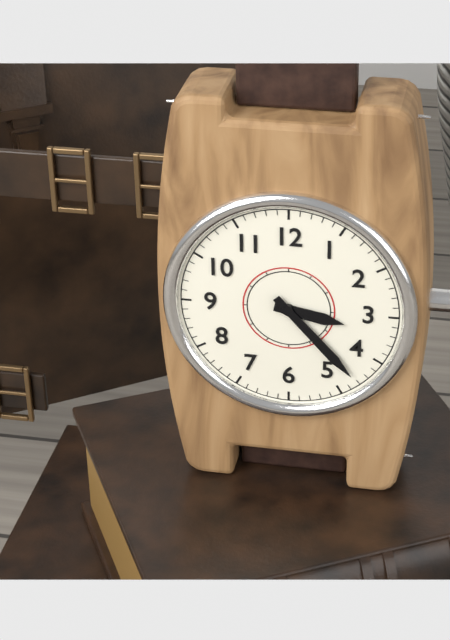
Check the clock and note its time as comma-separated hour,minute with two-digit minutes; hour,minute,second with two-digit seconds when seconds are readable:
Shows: 3,23
